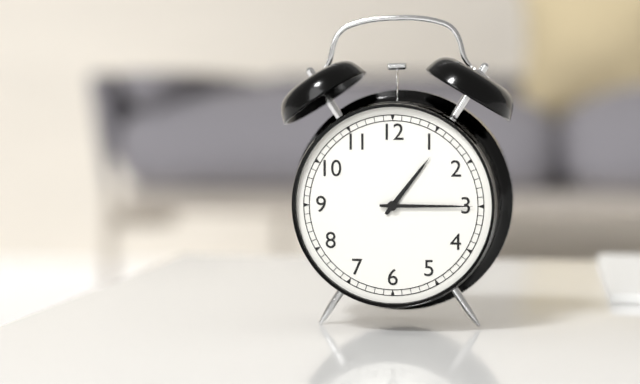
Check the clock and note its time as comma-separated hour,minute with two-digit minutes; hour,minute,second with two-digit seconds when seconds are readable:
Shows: 1,15
